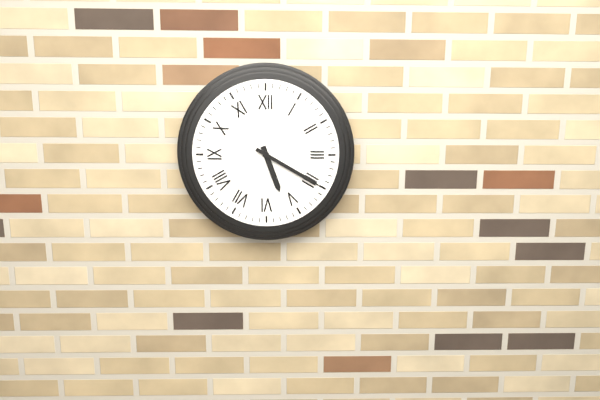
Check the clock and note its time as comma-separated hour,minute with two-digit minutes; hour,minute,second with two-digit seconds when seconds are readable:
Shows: 5,20
